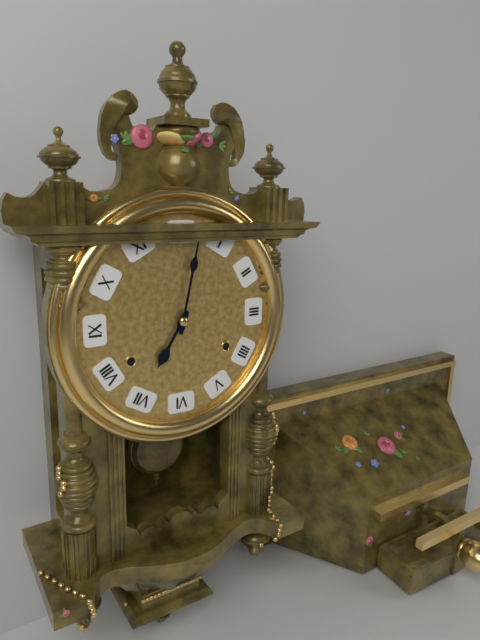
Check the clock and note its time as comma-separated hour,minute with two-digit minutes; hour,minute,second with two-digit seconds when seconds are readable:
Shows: 7,02
